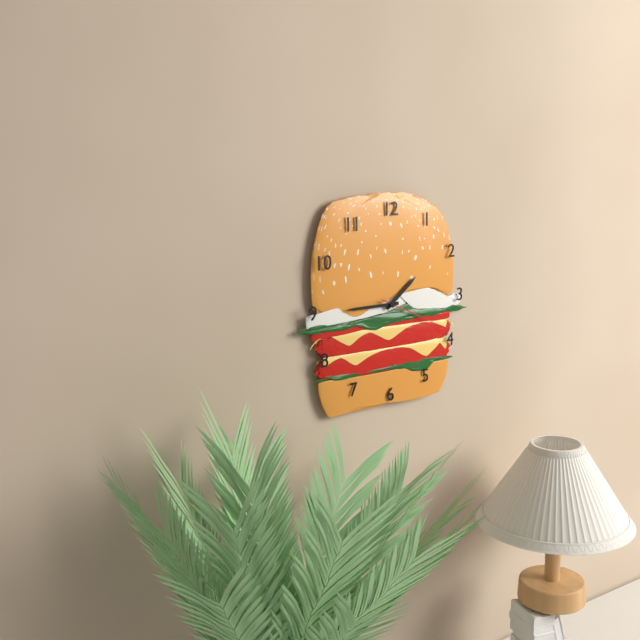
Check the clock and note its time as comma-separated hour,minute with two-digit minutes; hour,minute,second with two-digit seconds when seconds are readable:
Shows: 1,45,19
